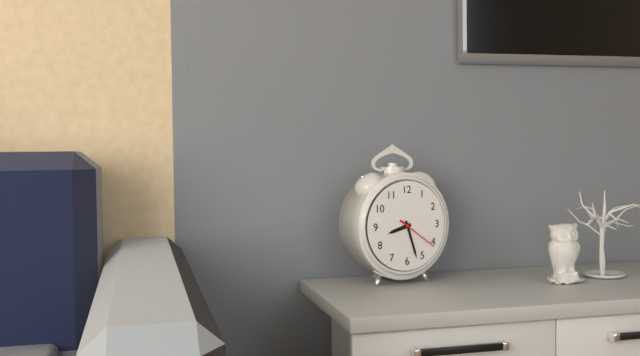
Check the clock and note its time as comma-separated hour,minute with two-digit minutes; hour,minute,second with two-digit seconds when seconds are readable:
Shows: 8,27
